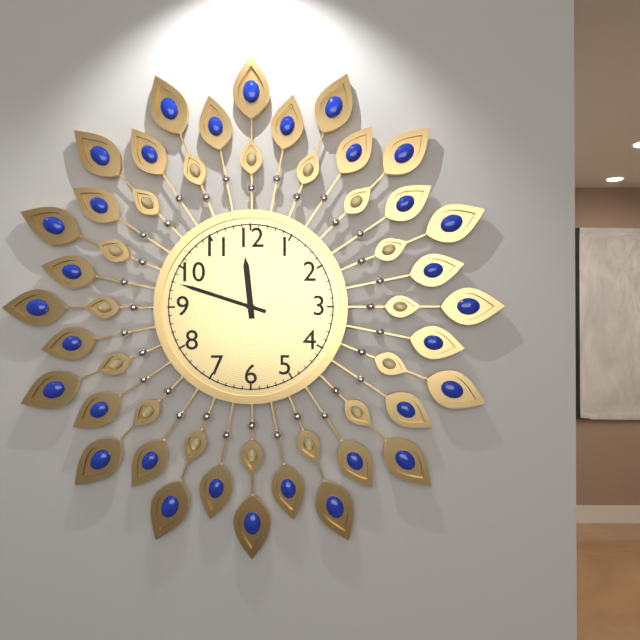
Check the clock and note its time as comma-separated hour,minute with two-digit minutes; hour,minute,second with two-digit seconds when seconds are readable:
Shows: 11,48
